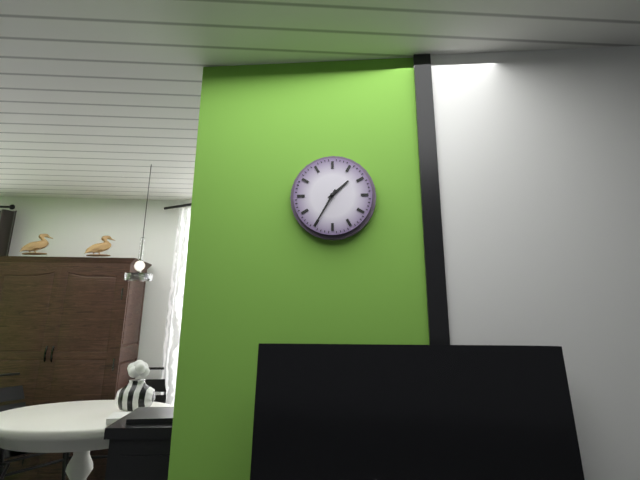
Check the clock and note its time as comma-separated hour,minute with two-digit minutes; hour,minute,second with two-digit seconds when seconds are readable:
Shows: 1,35
